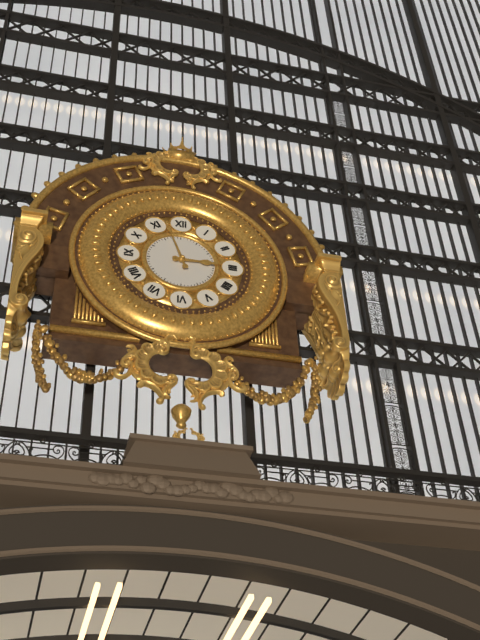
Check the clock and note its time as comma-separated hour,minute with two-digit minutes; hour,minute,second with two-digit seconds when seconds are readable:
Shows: 2,57
